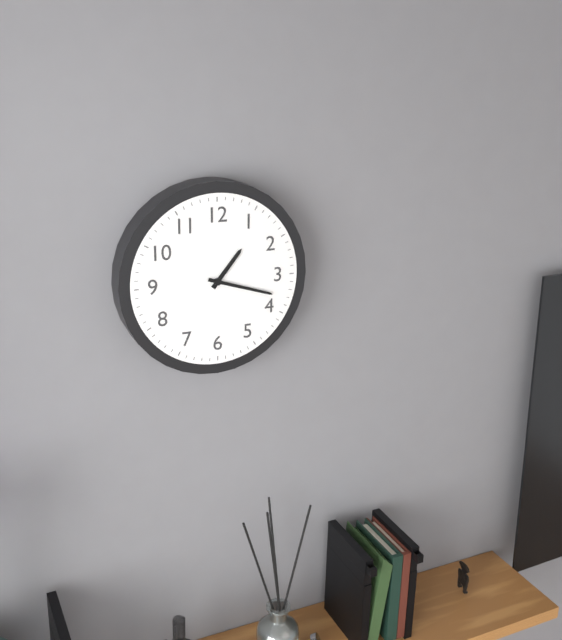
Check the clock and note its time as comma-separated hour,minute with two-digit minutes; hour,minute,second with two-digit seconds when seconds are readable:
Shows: 1,18
